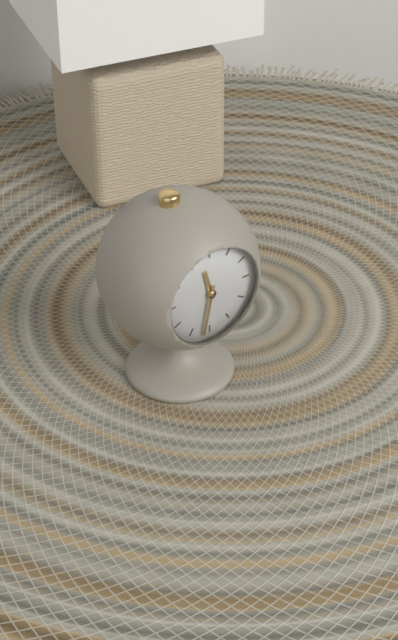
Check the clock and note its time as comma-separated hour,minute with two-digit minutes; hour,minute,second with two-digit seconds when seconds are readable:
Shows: 11,32
